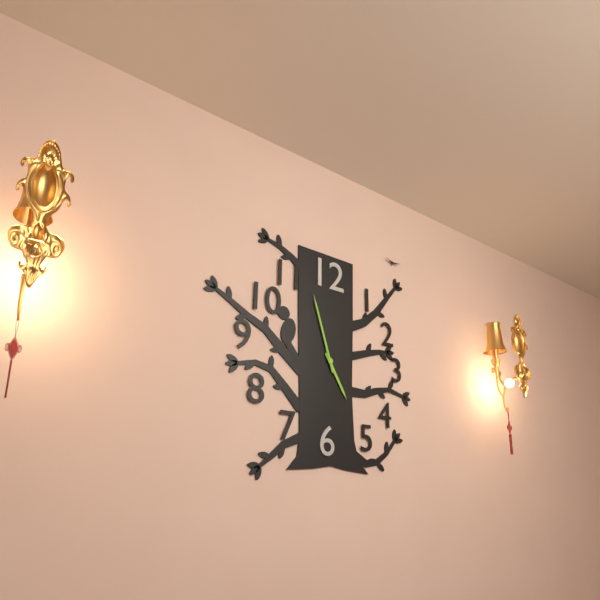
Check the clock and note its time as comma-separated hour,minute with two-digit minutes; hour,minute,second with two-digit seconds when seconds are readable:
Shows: 4,57
